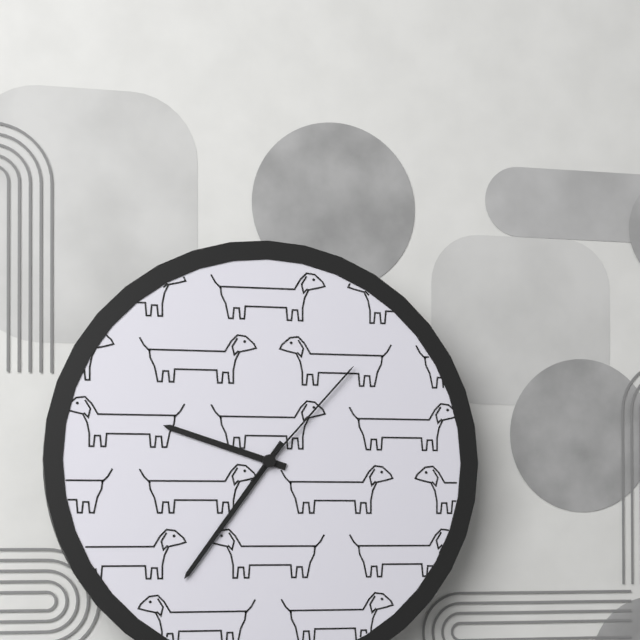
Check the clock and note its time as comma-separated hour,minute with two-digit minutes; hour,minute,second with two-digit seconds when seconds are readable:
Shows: 9,36,07
